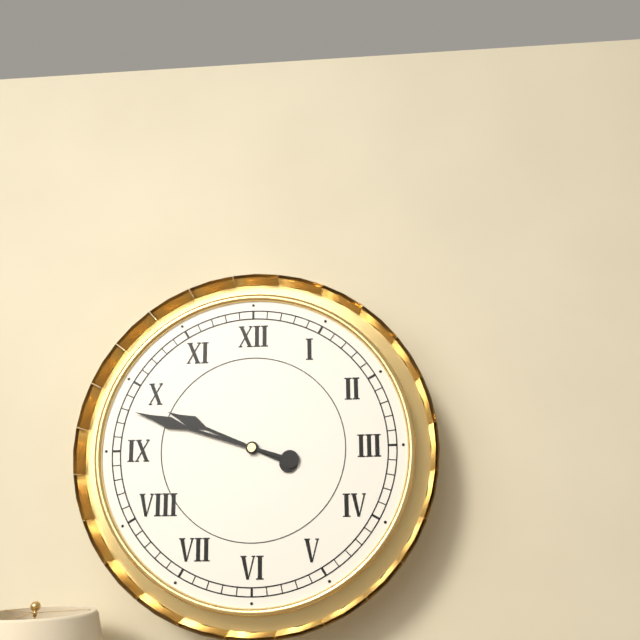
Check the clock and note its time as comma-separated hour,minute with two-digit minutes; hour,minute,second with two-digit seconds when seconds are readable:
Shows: 9,48
